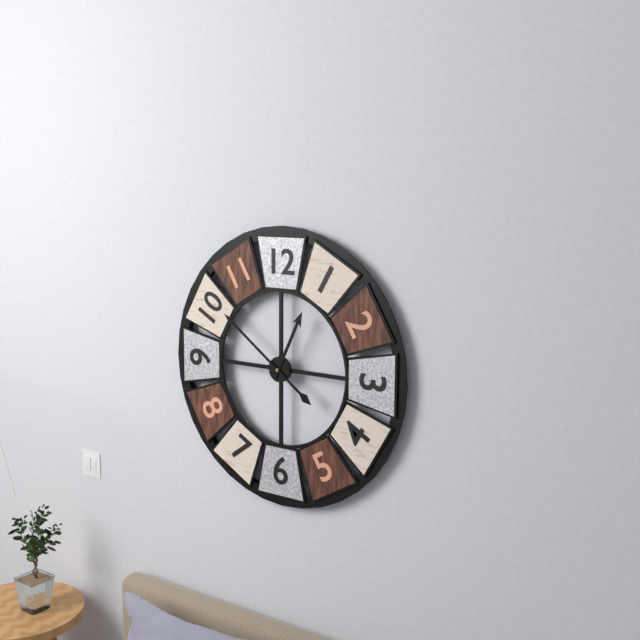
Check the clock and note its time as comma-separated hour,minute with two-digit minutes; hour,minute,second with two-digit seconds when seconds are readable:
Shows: 12,51
